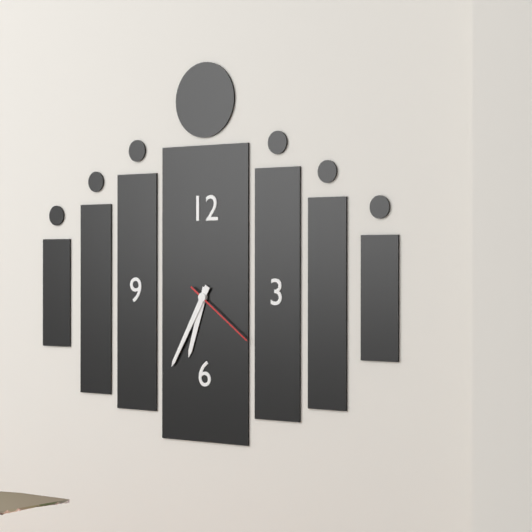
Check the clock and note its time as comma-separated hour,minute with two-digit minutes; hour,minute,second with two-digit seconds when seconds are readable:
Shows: 6,35,21
